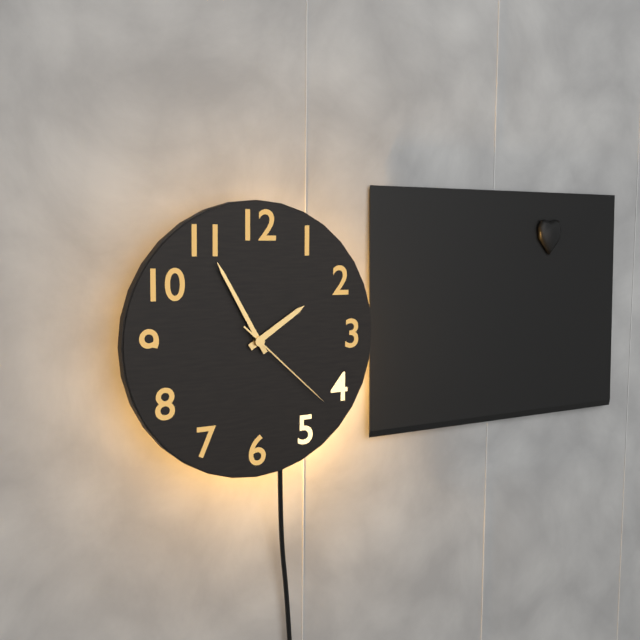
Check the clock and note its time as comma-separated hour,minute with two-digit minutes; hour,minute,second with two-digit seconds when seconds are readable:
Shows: 1,55,22
